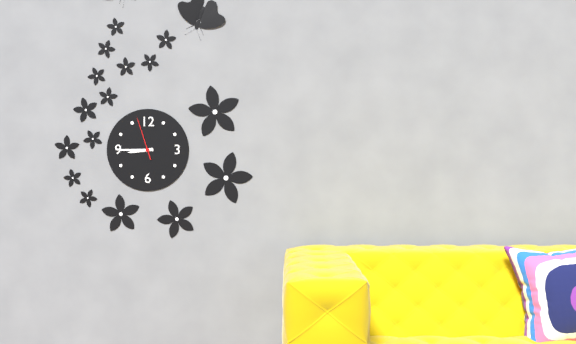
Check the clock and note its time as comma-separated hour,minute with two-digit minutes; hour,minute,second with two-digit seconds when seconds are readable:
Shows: 8,45
